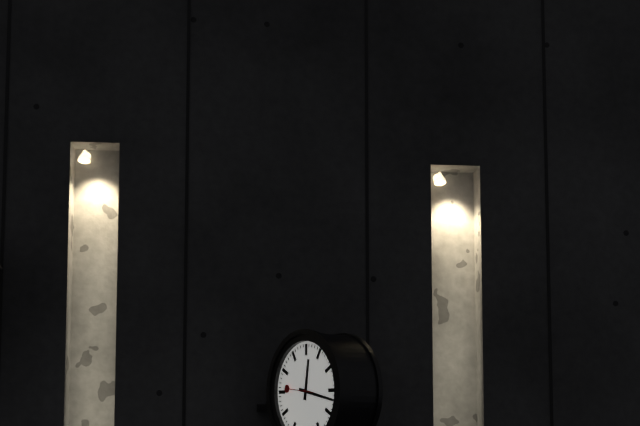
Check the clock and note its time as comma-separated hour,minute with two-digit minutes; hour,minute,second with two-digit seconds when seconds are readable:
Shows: 12,17
